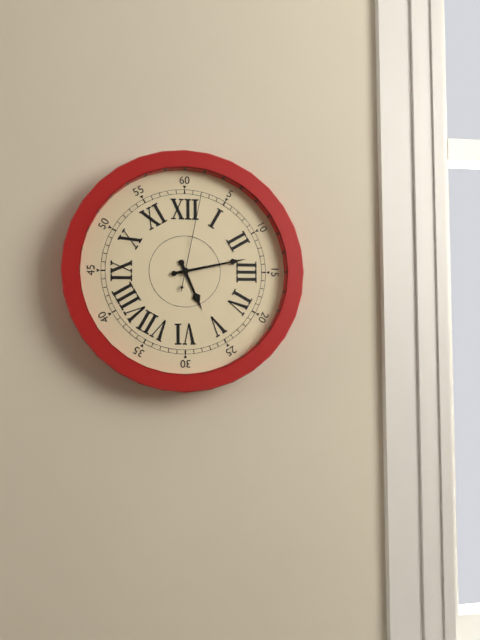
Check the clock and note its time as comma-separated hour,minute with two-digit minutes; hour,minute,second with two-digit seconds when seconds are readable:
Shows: 5,13,02
